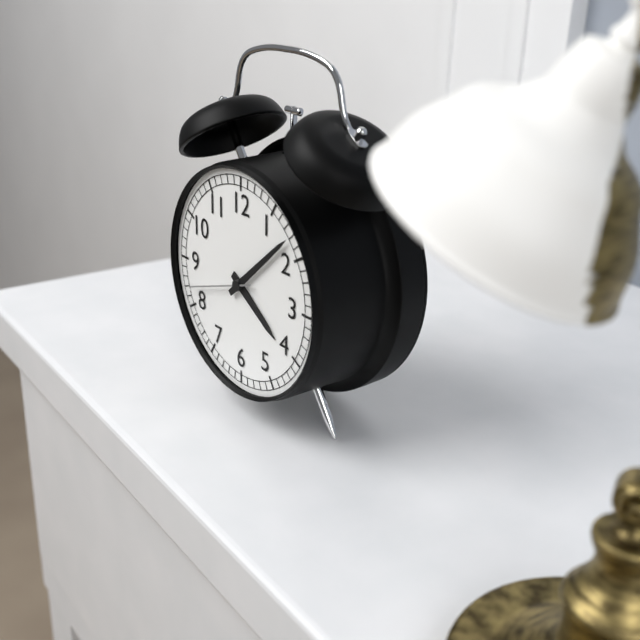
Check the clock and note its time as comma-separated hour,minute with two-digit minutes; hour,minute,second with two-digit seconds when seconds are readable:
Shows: 4,08,42
